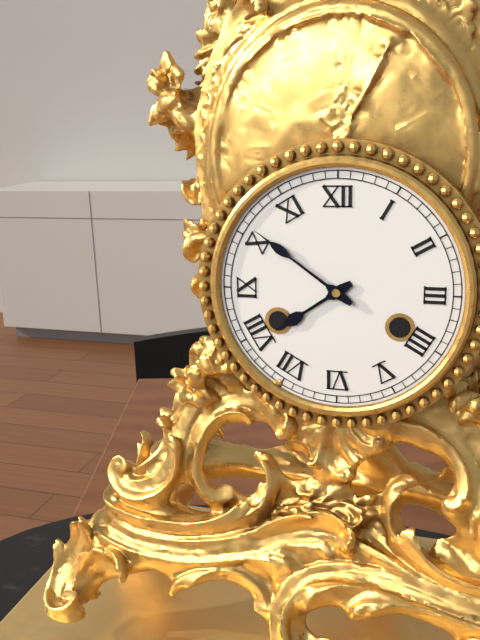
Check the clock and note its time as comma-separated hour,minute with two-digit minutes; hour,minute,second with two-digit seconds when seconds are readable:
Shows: 7,51
